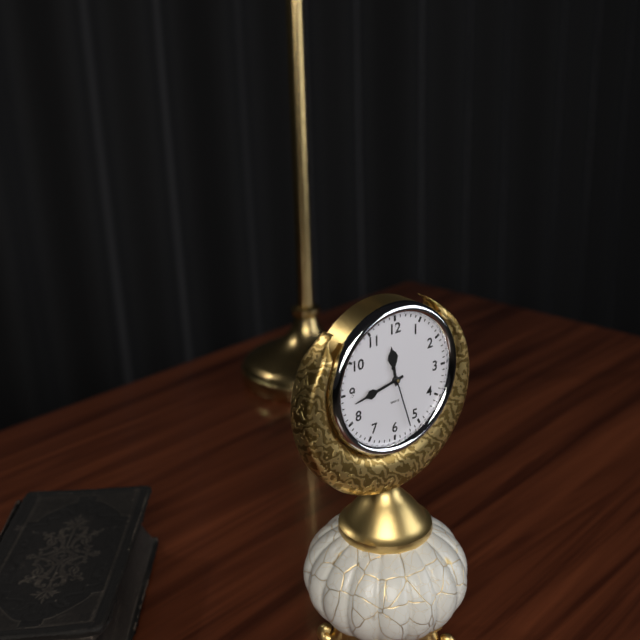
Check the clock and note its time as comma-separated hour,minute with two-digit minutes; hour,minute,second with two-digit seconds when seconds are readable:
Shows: 11,43,27
